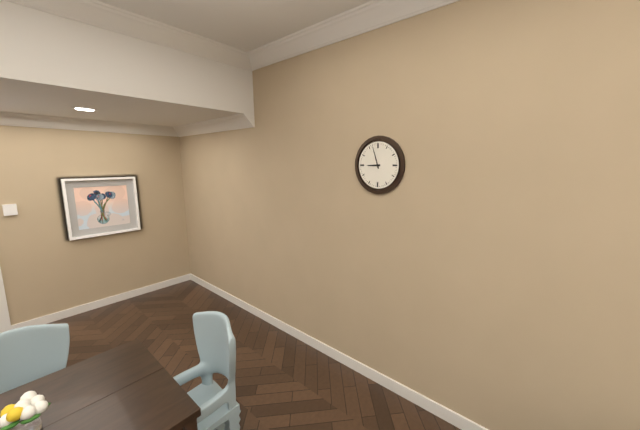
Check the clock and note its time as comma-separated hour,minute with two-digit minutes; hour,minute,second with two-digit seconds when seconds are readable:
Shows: 8,57
